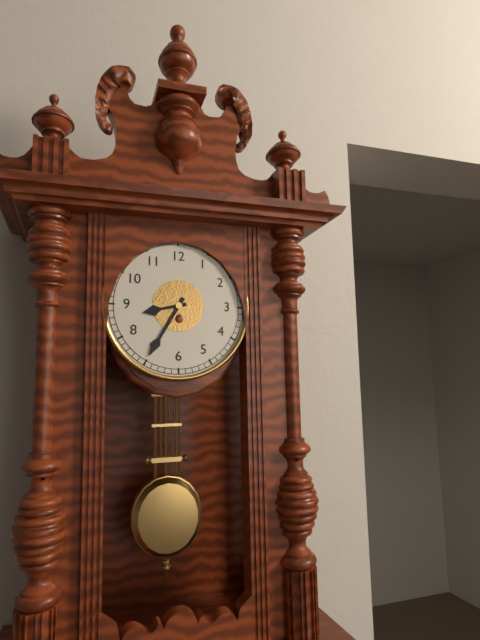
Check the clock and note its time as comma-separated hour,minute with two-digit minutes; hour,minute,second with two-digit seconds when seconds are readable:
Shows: 8,35
